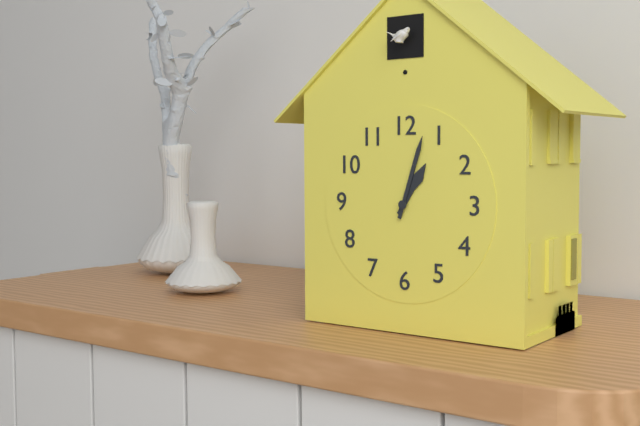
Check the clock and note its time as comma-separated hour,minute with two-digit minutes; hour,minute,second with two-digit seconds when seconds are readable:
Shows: 1,03
